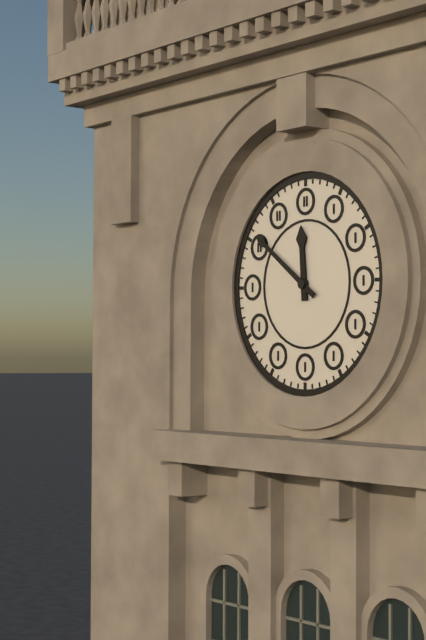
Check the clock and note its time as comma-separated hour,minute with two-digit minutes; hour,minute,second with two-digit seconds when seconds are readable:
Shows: 11,51
